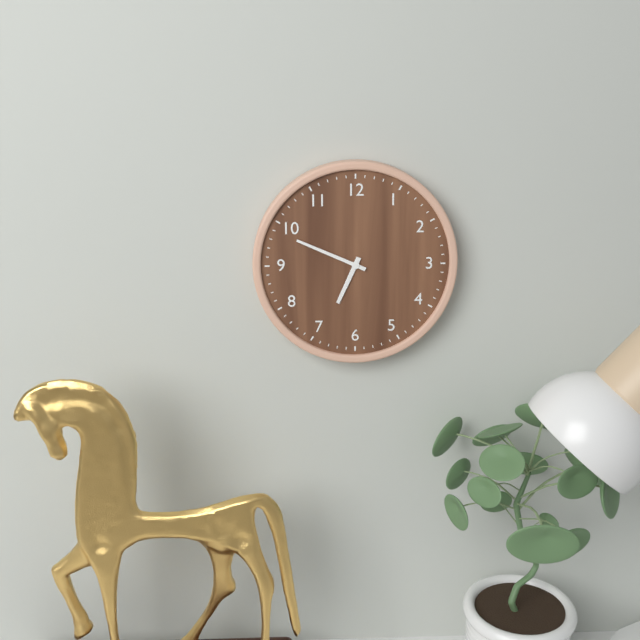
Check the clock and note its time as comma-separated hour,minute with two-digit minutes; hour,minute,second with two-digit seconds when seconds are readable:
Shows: 6,49
